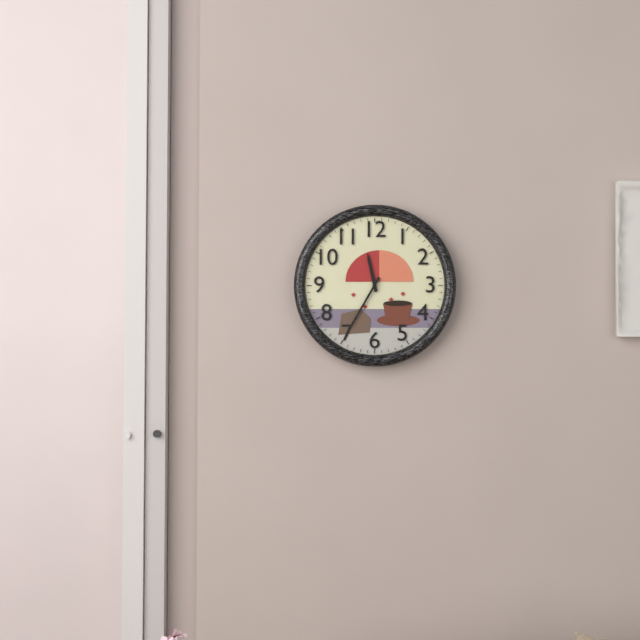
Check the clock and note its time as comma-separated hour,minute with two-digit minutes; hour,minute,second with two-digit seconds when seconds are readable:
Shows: 11,35
